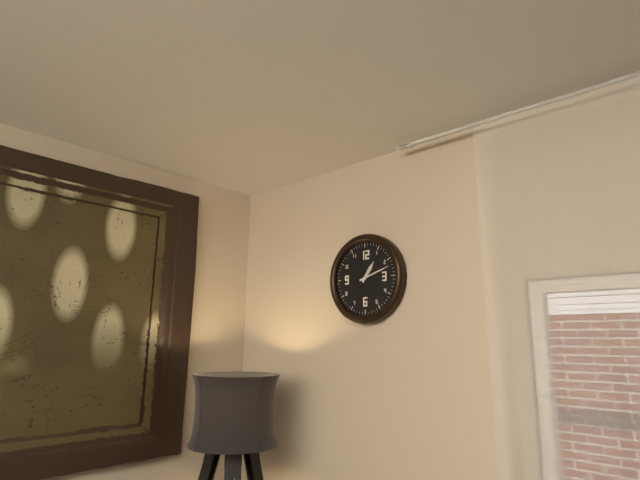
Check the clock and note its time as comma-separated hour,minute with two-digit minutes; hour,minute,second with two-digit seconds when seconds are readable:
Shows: 1,12
